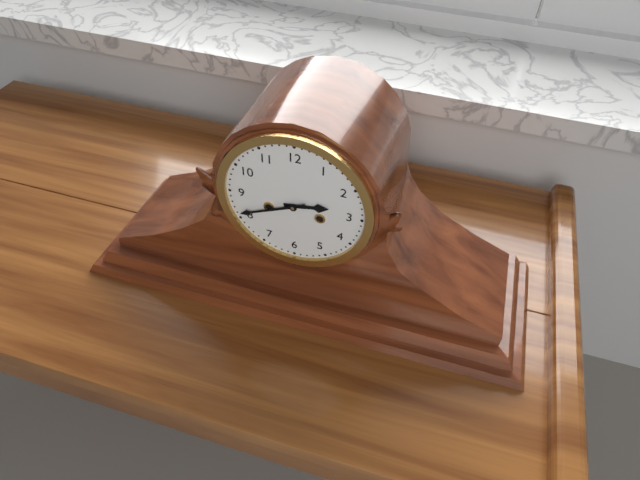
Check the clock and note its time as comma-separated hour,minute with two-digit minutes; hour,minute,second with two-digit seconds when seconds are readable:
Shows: 2,41
